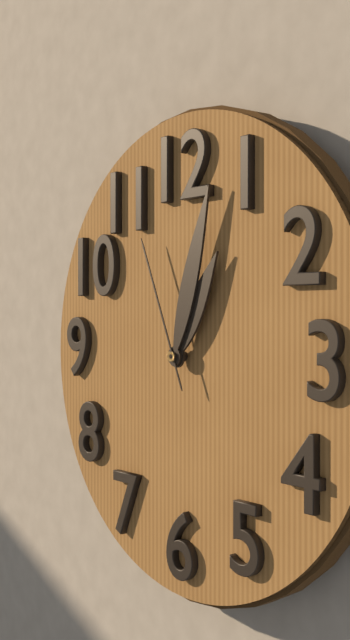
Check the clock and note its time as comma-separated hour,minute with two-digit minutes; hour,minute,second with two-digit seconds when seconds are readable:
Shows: 1,03,56
